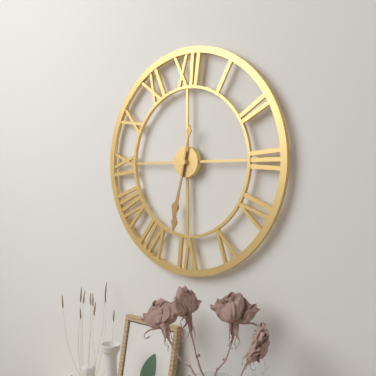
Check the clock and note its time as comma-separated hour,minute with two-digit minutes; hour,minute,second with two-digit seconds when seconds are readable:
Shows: 6,32
